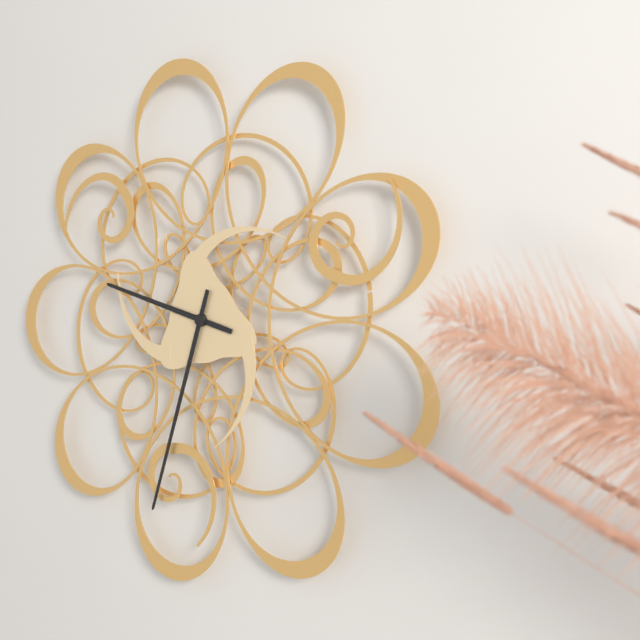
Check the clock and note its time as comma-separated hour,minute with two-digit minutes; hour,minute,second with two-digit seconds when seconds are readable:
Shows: 9,33
